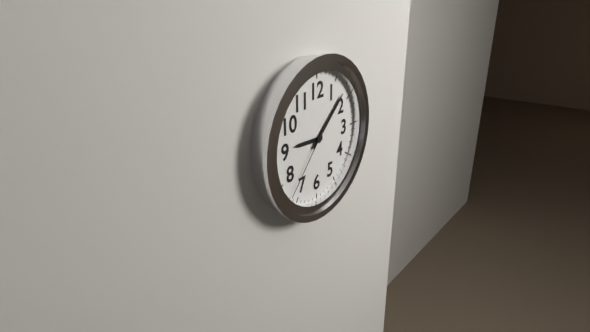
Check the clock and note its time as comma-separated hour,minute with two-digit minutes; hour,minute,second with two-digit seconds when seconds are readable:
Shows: 9,08,37
